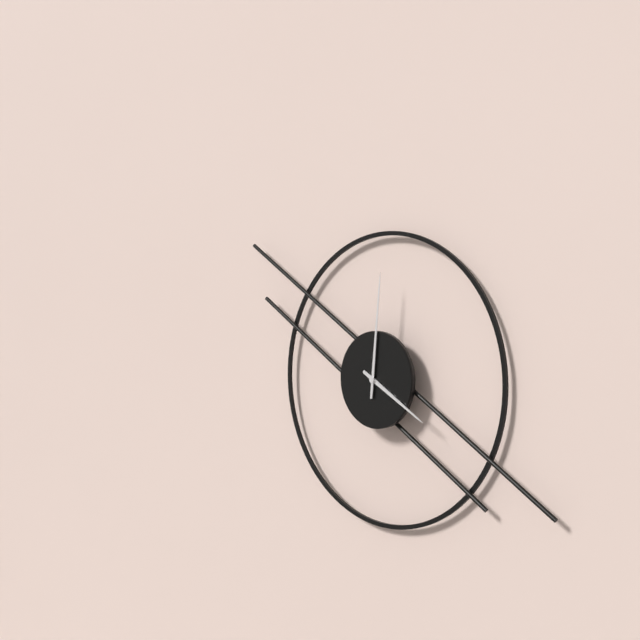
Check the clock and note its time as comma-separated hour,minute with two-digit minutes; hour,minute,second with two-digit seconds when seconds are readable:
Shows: 4,01
